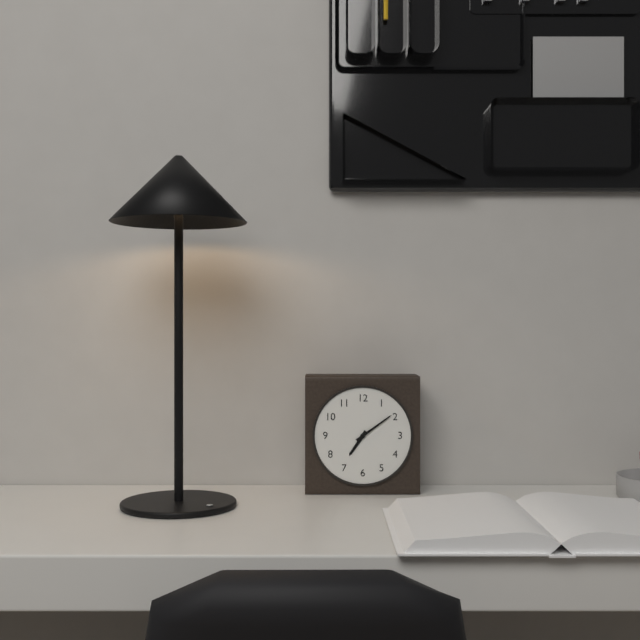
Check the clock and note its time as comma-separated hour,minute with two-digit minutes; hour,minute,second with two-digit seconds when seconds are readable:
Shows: 7,09
